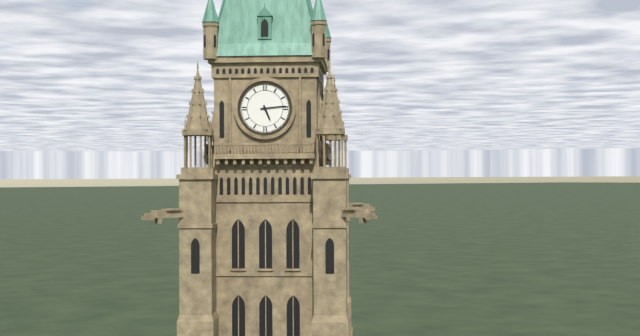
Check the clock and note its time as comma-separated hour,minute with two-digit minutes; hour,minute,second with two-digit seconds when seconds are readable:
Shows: 5,14
